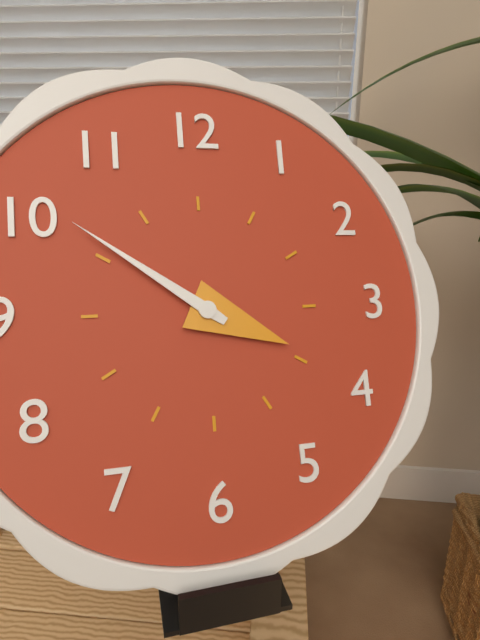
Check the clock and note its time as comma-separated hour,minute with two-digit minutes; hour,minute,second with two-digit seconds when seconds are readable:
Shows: 3,51
